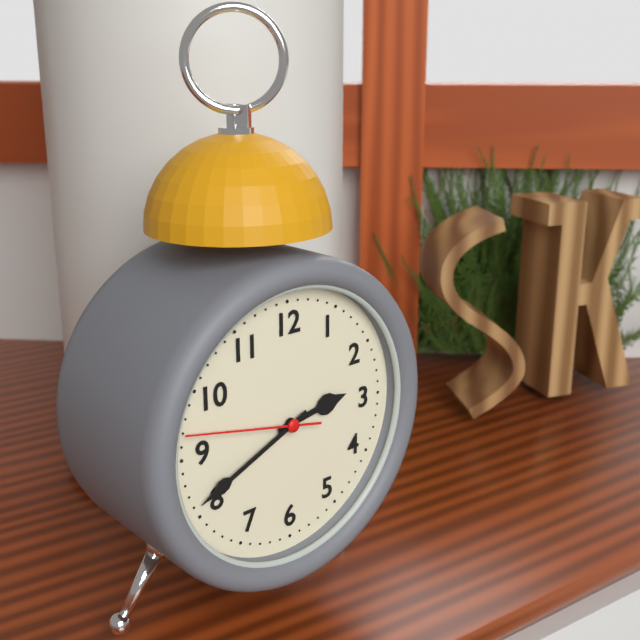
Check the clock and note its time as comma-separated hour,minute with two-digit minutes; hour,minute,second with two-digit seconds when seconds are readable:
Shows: 2,41,47
